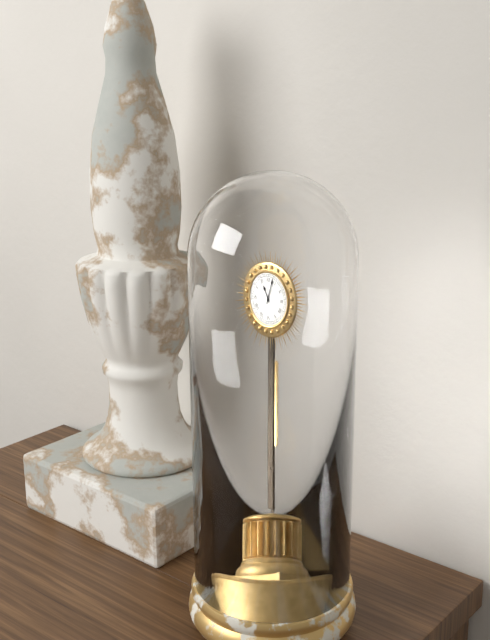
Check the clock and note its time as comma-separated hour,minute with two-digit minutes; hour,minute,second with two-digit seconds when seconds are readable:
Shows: 11,03
